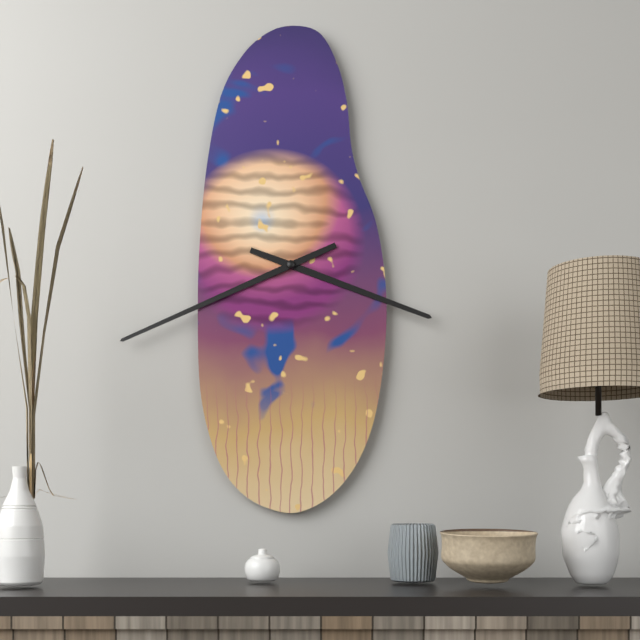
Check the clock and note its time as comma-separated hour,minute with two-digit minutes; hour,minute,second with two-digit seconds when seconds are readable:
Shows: 3,41
